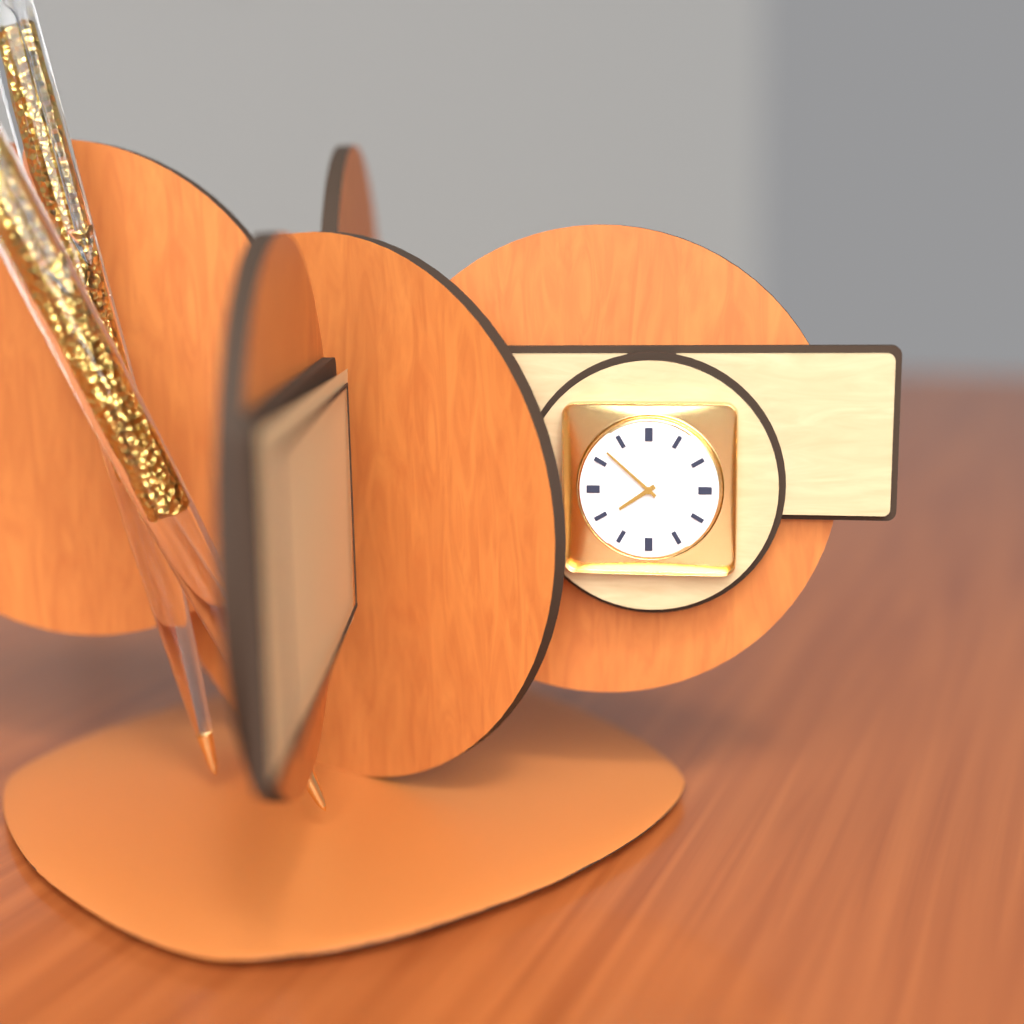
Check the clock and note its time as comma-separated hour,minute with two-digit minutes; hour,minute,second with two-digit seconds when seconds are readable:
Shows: 7,52
